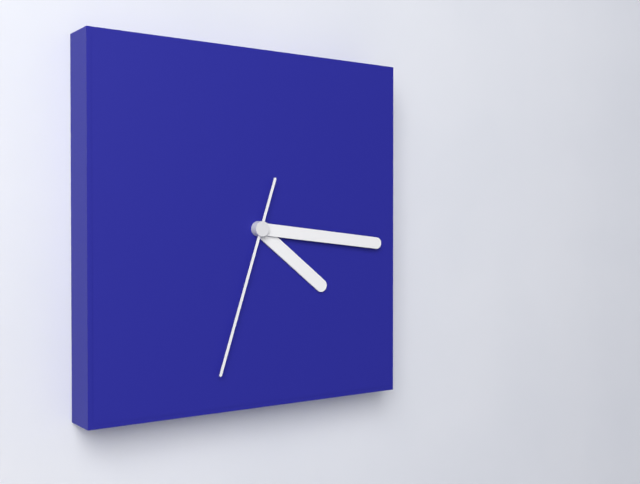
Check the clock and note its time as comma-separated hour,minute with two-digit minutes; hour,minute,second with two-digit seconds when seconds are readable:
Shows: 4,16,33
